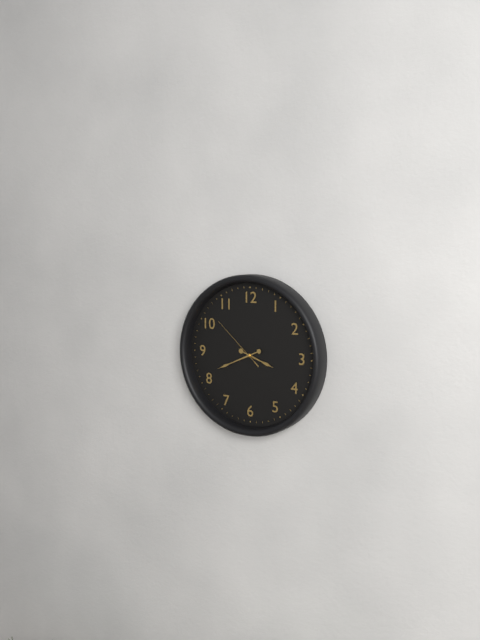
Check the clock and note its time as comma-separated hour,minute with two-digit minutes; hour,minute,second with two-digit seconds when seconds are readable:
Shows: 3,41,52
